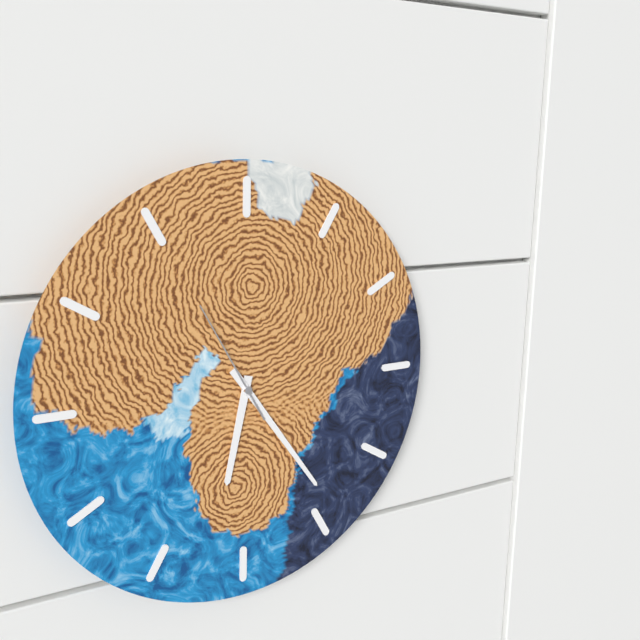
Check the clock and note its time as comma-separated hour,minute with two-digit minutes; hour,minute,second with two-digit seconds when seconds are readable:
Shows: 6,24,55
